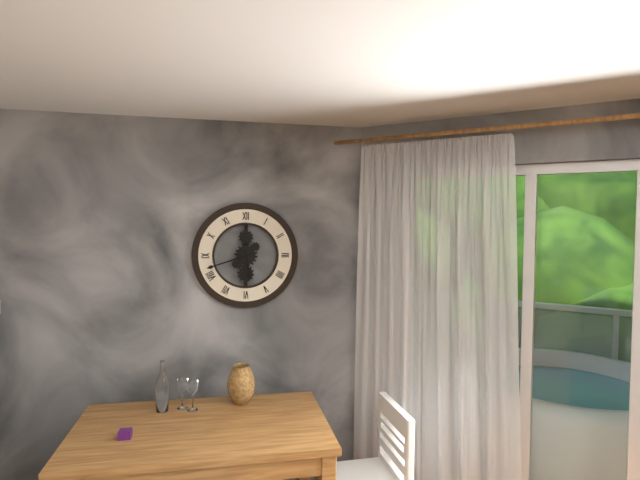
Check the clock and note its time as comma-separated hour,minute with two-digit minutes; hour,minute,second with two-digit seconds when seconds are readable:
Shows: 5,42
